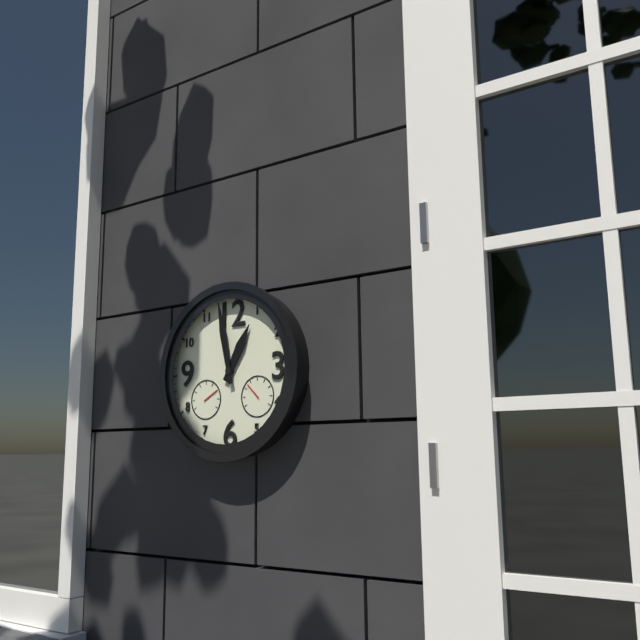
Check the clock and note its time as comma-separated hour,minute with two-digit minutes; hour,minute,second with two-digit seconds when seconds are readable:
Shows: 12,58
